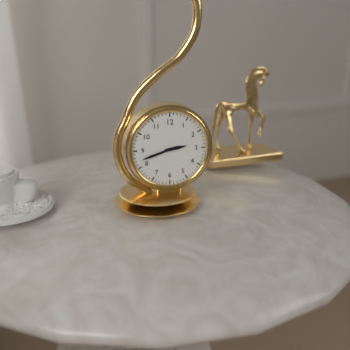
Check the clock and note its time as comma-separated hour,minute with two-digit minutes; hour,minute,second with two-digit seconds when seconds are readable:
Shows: 2,42
